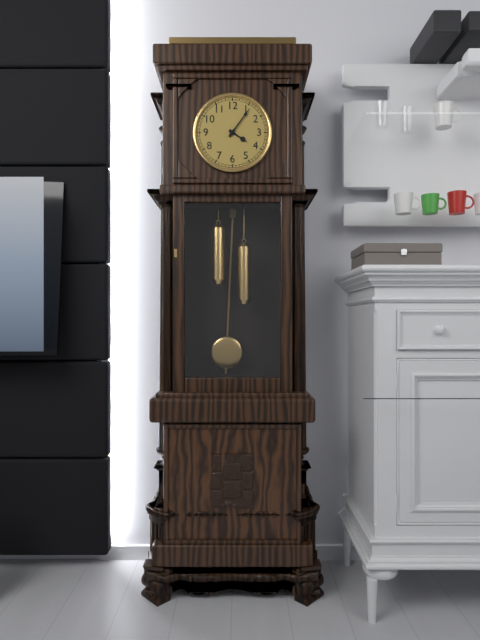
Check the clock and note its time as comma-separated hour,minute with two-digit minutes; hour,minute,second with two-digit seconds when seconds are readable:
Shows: 4,06
